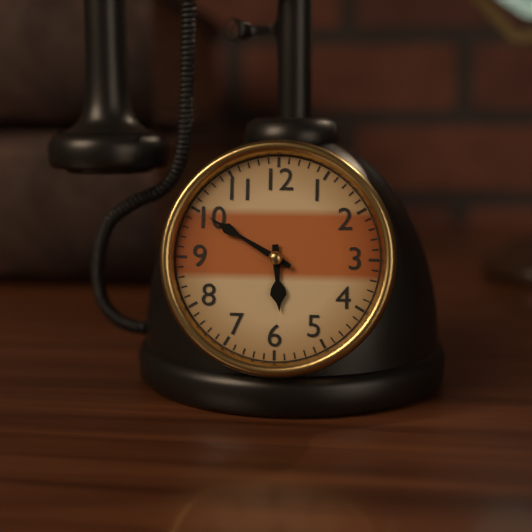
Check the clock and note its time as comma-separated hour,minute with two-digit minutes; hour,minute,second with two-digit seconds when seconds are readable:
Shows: 5,50
